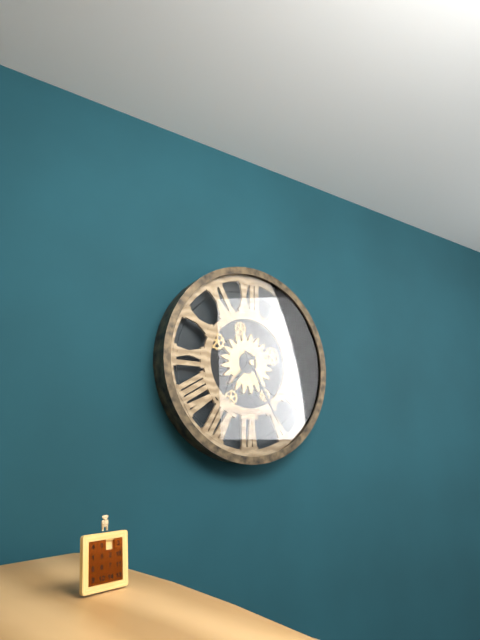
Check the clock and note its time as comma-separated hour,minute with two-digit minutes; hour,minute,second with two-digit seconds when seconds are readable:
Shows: 7,25
